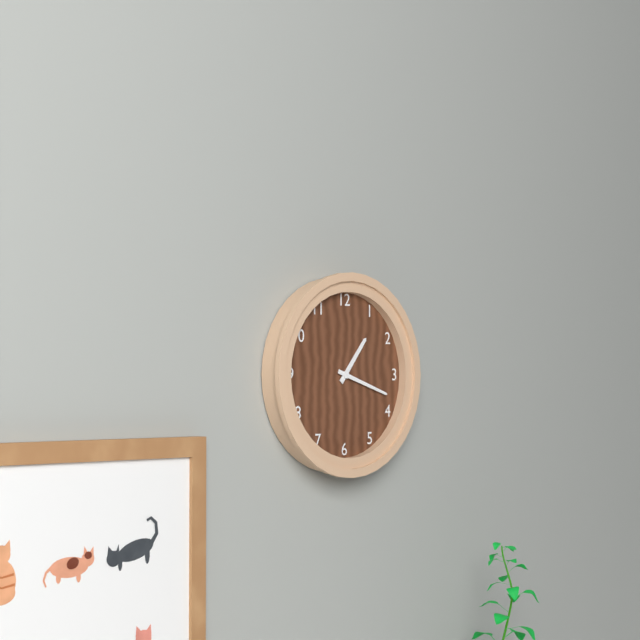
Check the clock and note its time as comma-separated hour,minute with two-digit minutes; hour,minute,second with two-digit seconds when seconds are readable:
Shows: 1,18
